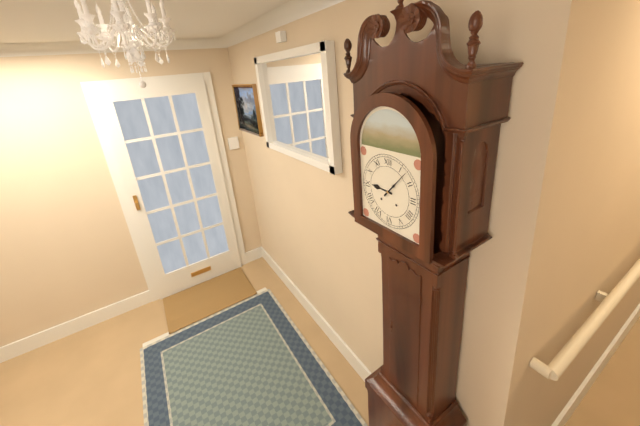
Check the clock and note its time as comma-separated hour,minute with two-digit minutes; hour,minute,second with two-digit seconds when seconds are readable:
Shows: 9,07
